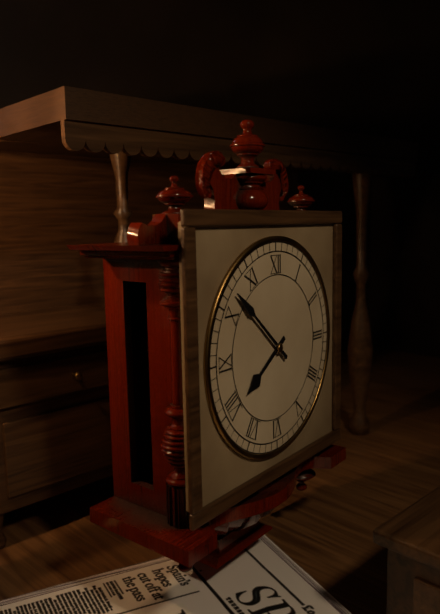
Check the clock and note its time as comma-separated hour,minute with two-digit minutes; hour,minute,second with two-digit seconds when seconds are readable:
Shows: 7,52
